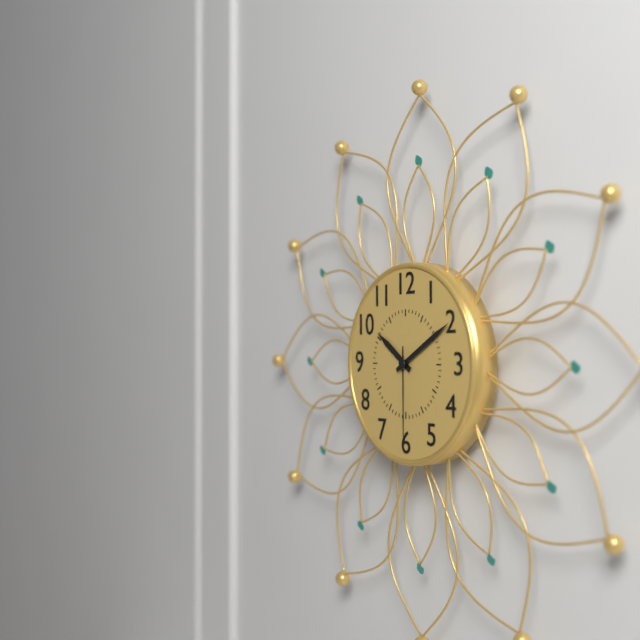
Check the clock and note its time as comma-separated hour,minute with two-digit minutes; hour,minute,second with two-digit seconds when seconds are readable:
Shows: 10,10,30
